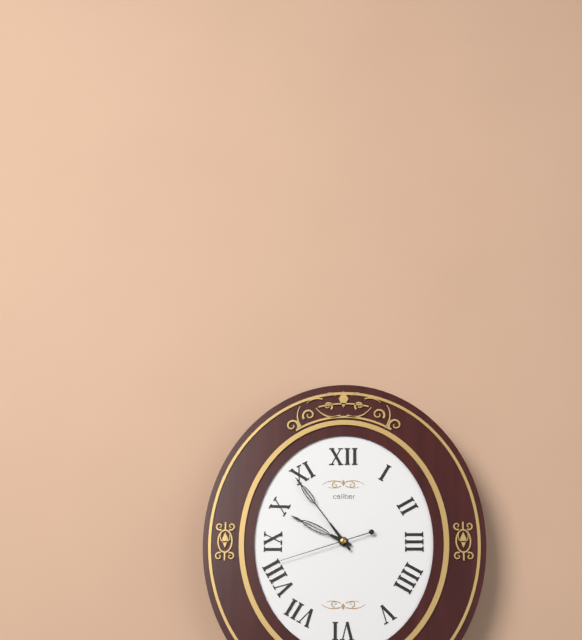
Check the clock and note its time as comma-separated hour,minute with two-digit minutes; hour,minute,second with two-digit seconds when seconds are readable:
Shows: 9,54,42
